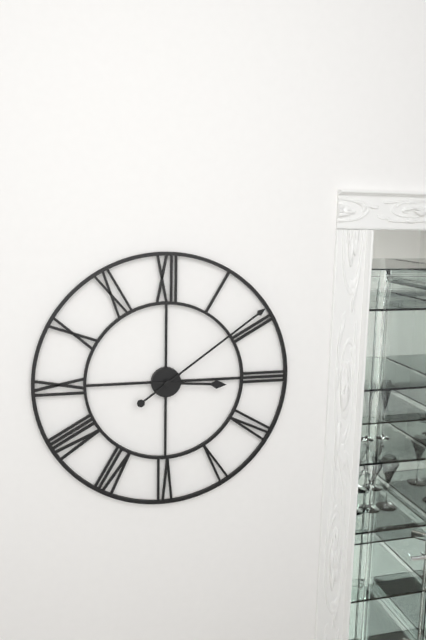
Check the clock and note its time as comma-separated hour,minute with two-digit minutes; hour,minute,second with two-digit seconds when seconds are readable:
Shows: 3,09
